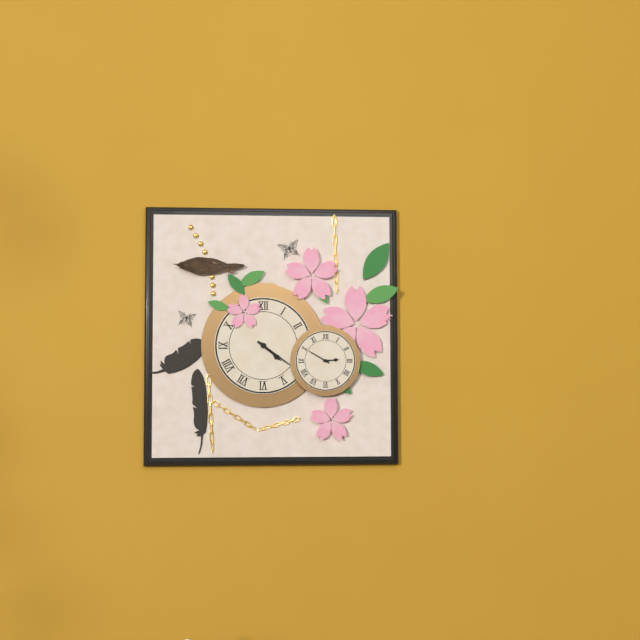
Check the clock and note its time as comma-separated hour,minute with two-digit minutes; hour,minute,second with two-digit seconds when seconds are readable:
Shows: 4,21
